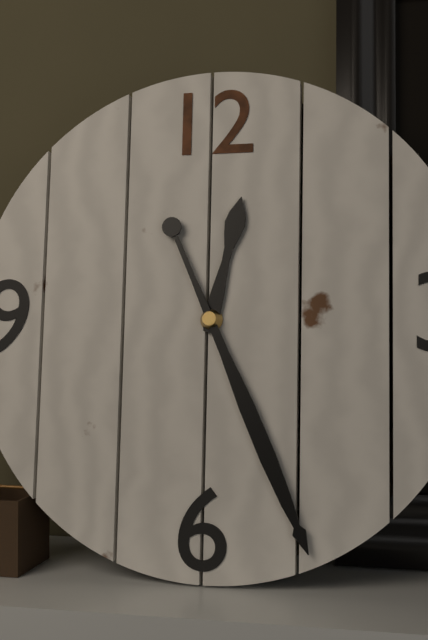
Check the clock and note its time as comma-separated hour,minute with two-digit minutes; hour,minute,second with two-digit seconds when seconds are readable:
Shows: 12,26
